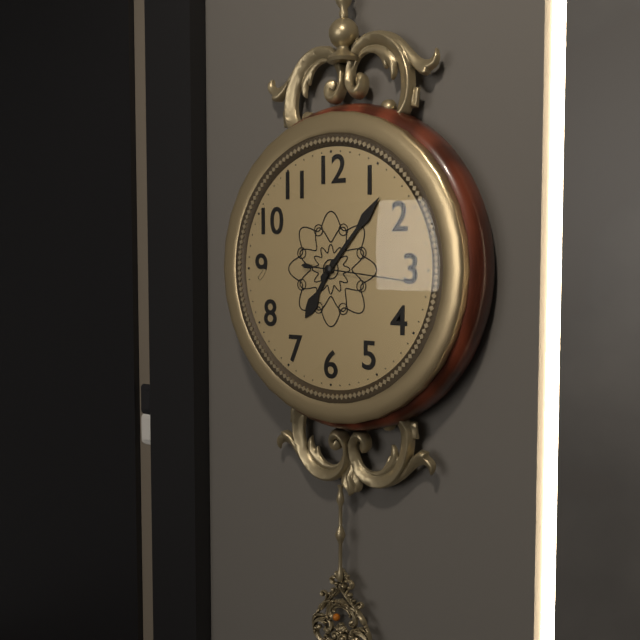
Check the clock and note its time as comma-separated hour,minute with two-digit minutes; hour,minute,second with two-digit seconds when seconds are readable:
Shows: 7,07,16
